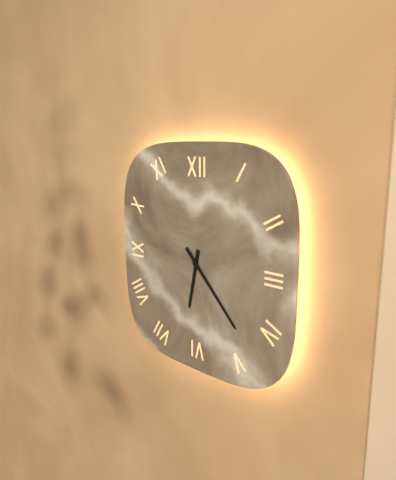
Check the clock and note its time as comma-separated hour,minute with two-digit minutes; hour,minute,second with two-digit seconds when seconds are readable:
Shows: 6,23
